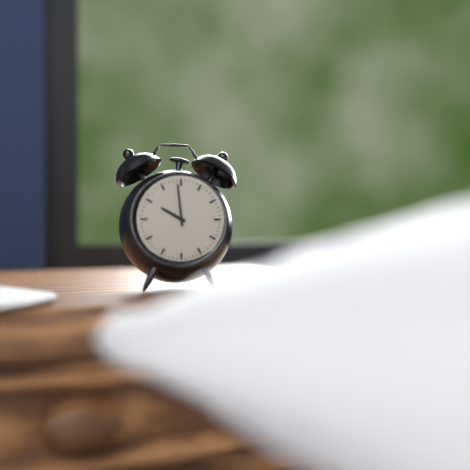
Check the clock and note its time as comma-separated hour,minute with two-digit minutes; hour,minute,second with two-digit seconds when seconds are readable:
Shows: 9,59
